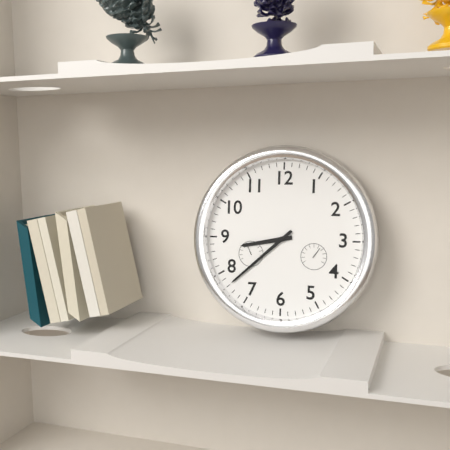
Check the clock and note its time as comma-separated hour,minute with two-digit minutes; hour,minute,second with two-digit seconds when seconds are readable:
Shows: 8,38
